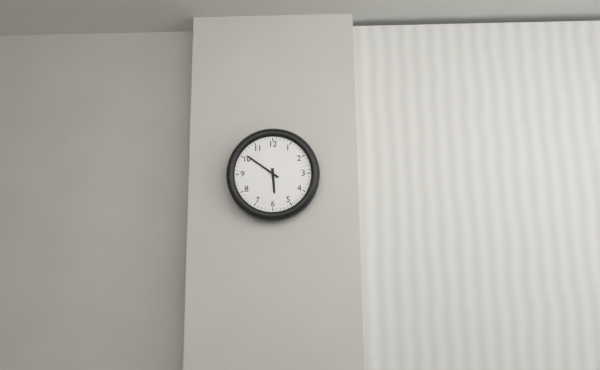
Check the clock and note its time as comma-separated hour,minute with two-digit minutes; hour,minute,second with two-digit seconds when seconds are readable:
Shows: 5,51
